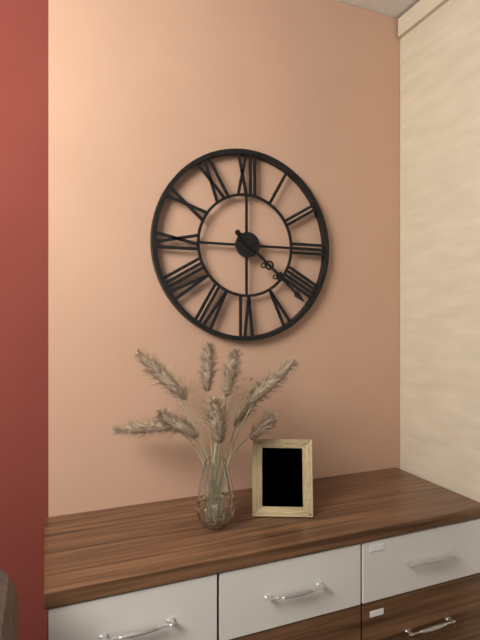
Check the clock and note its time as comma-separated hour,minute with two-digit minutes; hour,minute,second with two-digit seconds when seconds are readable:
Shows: 4,22
